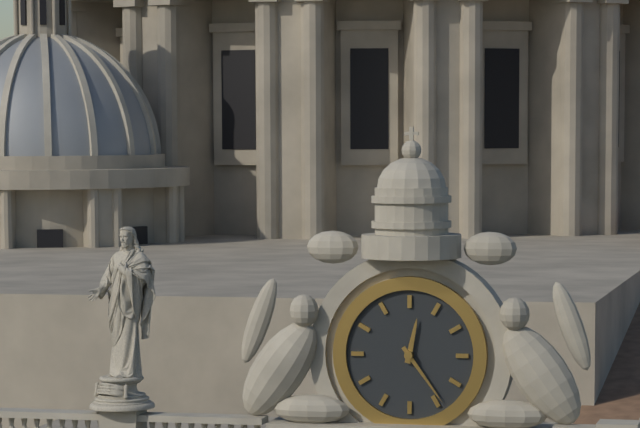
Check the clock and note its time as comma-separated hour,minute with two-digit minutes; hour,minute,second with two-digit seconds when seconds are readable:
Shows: 12,24
